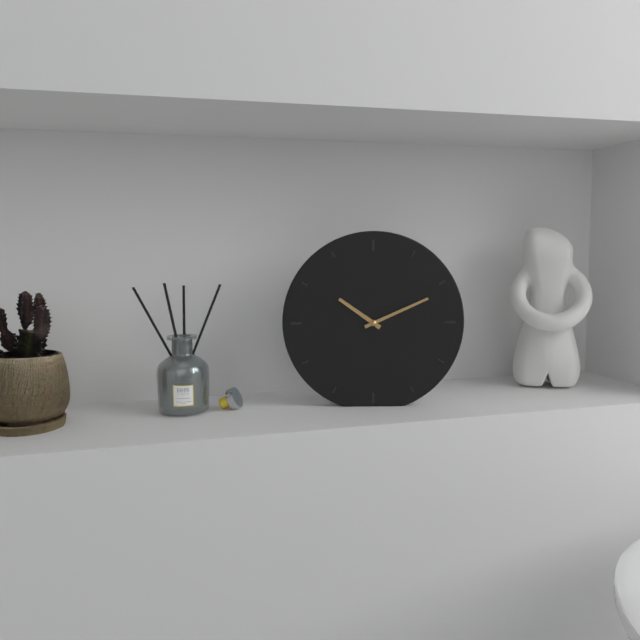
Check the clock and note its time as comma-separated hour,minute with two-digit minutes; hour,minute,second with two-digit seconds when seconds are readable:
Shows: 10,11
